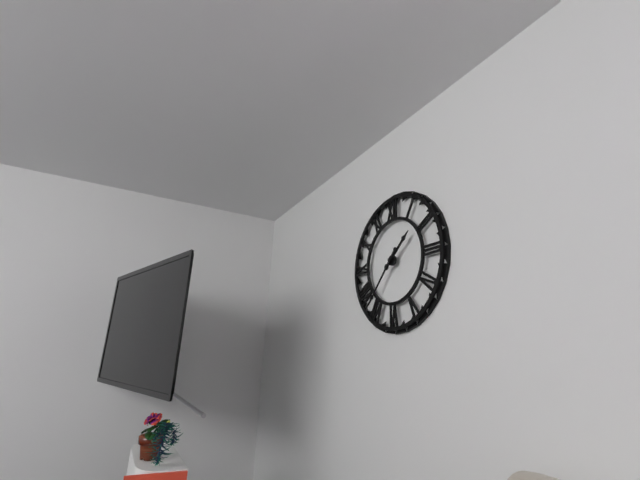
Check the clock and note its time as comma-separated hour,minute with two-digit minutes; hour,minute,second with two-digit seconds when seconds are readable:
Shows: 1,37
